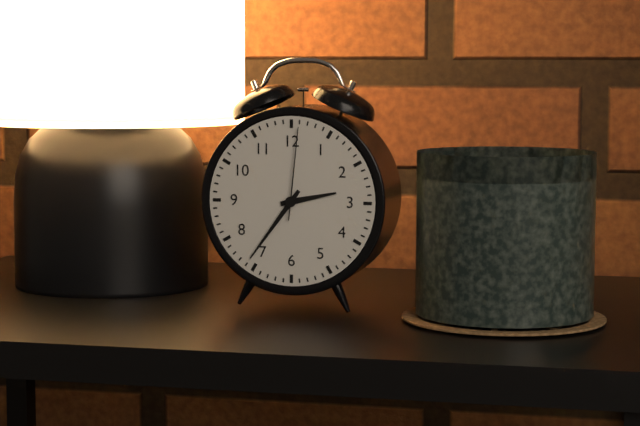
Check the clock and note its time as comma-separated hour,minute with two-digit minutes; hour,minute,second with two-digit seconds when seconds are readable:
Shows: 2,36,01
